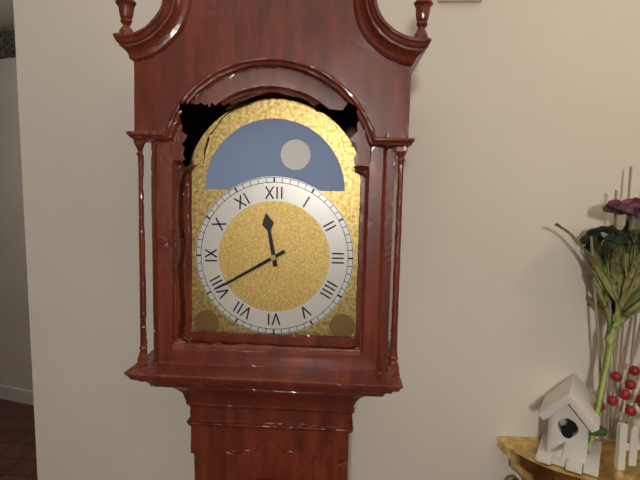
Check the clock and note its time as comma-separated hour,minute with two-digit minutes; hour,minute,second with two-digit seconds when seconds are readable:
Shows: 11,40
